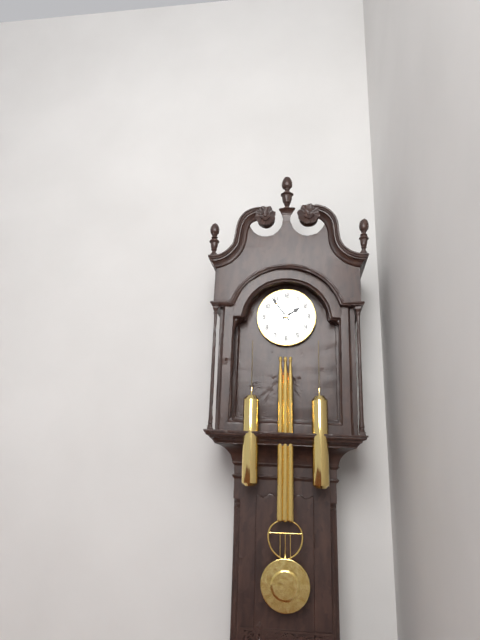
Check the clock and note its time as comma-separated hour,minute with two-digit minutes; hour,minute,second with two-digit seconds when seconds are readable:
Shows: 1,54
